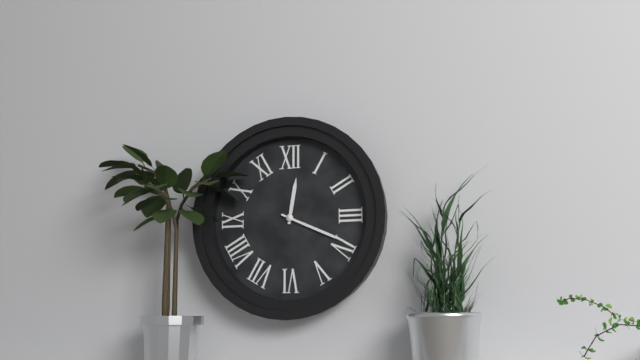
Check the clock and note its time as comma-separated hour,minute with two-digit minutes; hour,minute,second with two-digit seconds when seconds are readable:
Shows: 12,19
